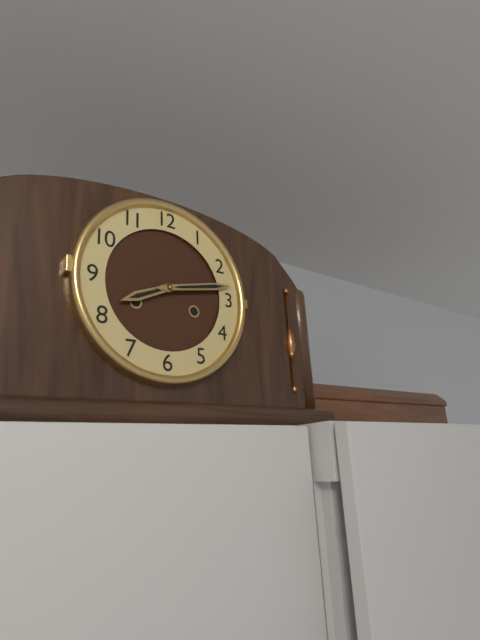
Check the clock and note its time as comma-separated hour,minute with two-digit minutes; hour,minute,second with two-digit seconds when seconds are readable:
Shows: 8,13
